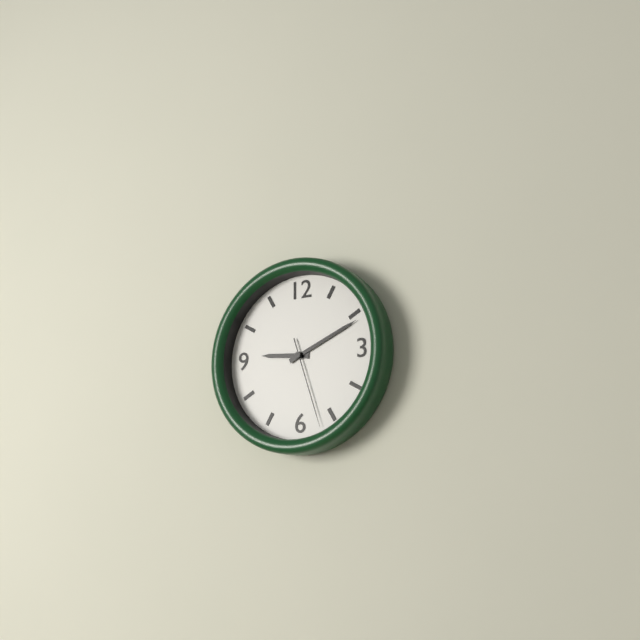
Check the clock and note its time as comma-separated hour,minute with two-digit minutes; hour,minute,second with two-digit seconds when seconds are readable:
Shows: 9,11,27
